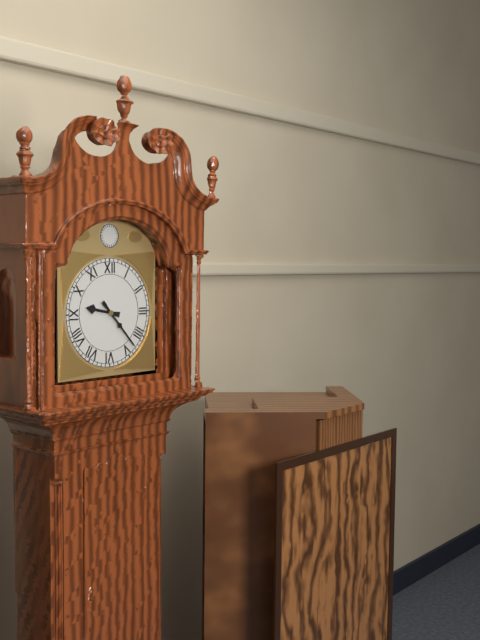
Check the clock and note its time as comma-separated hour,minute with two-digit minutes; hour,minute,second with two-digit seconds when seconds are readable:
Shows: 9,23
